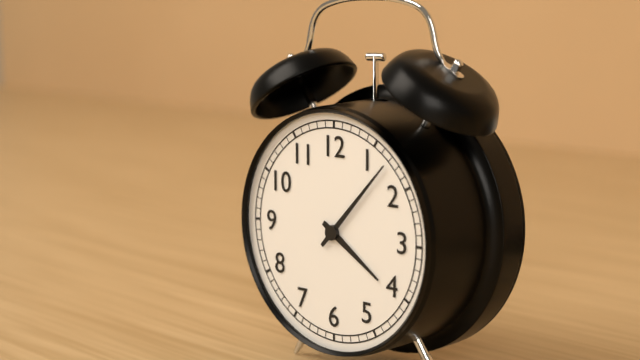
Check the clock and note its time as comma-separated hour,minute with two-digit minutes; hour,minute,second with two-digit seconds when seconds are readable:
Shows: 4,07
